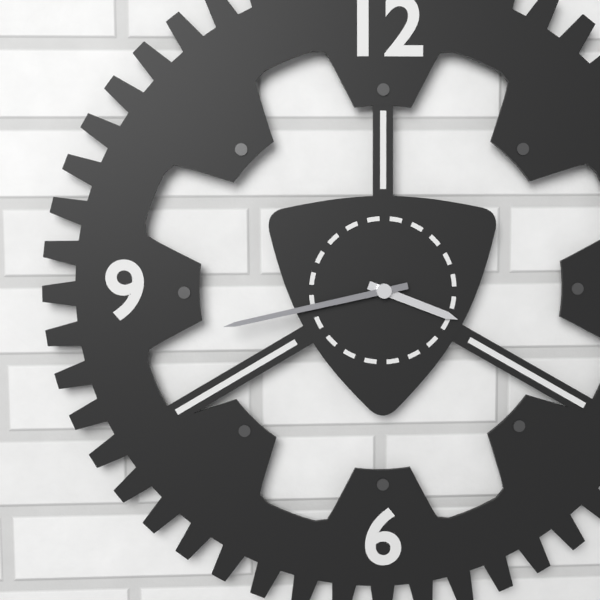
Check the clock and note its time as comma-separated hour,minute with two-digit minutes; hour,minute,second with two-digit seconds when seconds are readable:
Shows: 3,43
